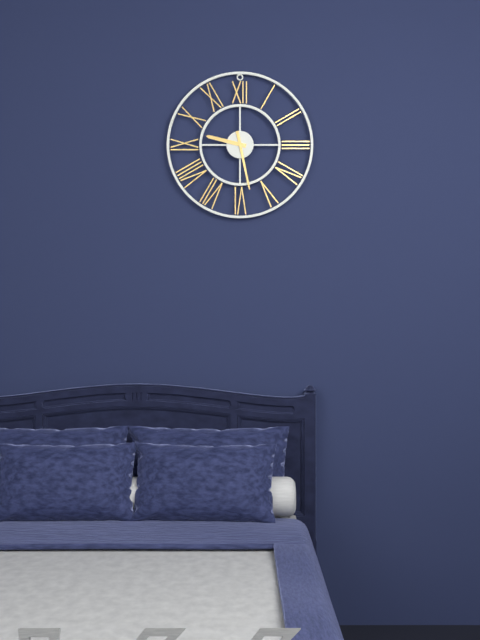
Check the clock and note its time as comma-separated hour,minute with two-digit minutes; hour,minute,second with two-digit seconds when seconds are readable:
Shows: 9,28
